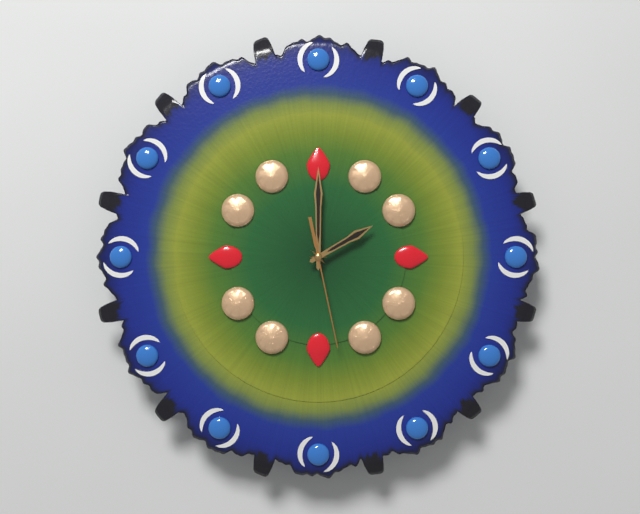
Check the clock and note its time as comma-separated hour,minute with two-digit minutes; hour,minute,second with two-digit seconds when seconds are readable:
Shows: 2,00,28
